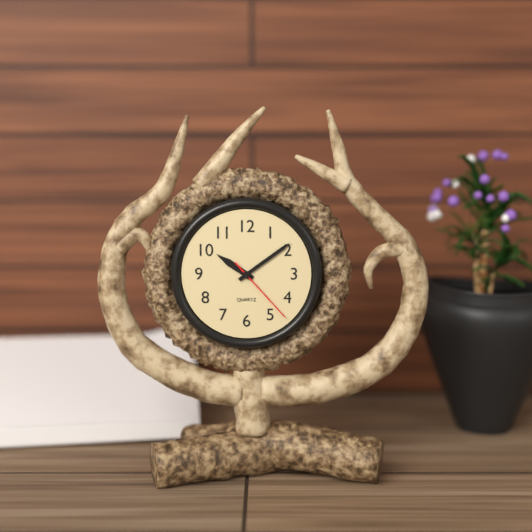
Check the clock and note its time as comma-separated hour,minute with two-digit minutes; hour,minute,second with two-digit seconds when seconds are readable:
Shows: 10,09,23
